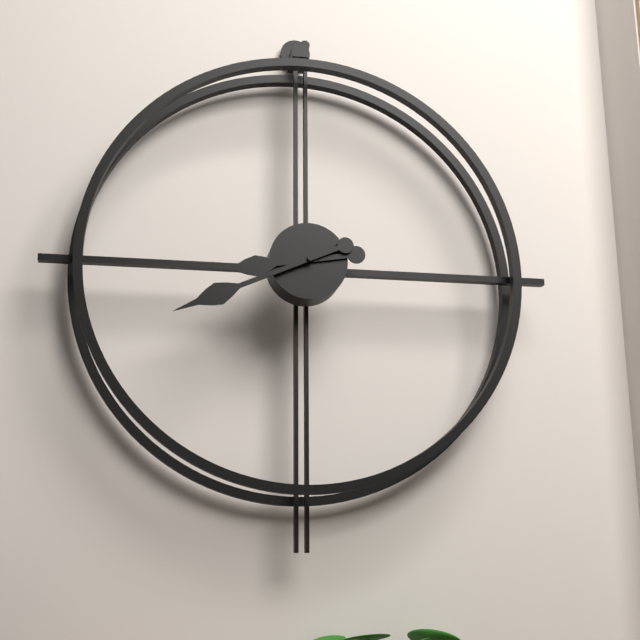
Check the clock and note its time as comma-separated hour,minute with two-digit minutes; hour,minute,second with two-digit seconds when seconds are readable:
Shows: 8,41
